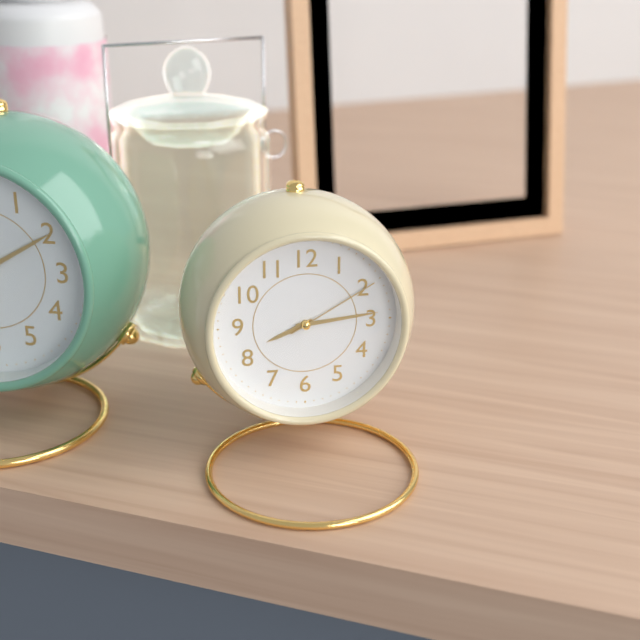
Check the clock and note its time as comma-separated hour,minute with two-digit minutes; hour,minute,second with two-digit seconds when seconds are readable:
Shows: 8,14,10
